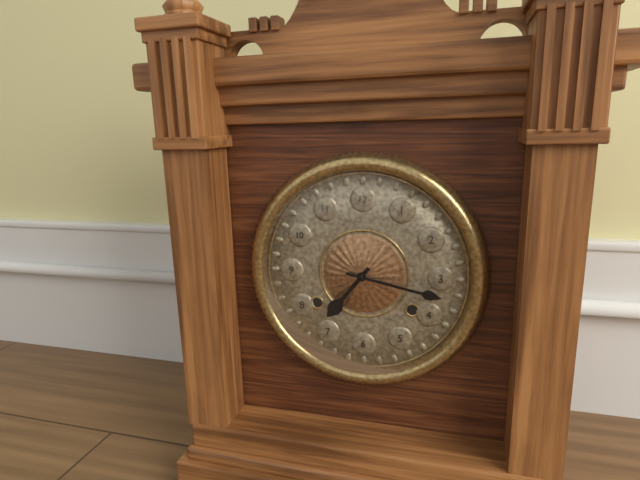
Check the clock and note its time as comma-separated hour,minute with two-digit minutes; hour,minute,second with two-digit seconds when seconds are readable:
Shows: 7,17
